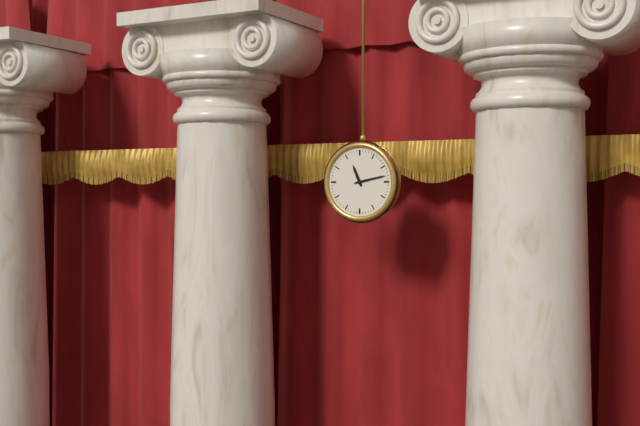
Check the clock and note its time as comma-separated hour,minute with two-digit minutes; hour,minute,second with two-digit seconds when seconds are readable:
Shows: 11,13
